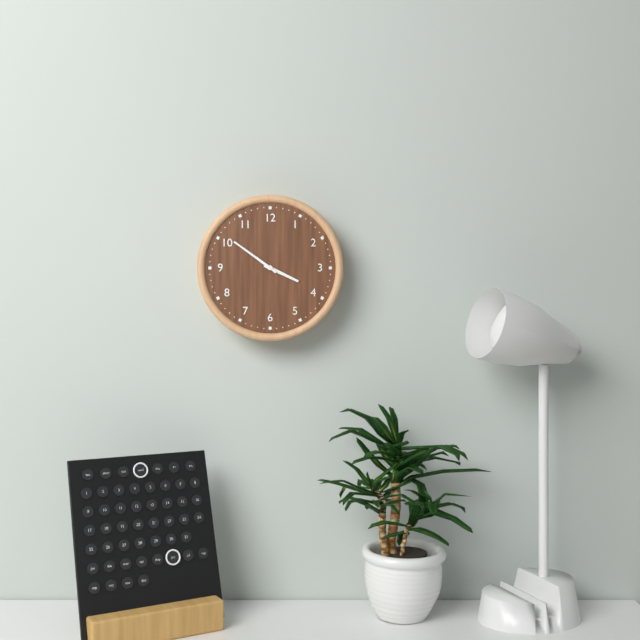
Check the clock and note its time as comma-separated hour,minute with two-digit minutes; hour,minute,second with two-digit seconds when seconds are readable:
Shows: 3,51
